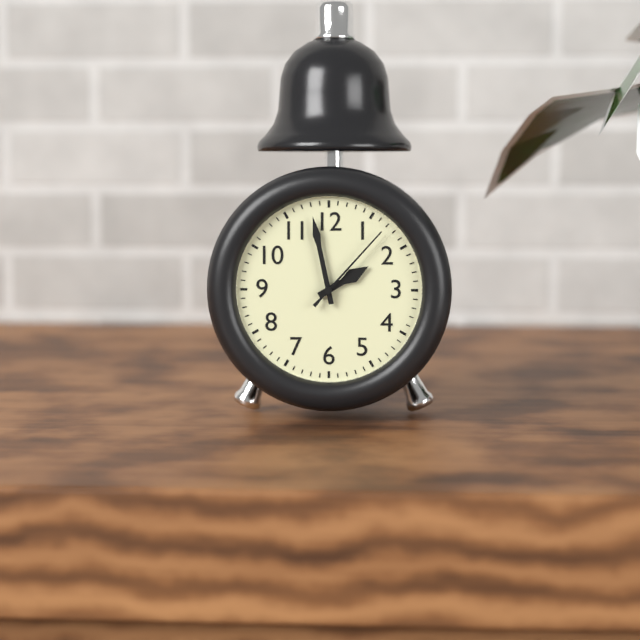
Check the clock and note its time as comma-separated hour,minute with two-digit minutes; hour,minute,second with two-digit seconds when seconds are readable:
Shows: 1,58,07
